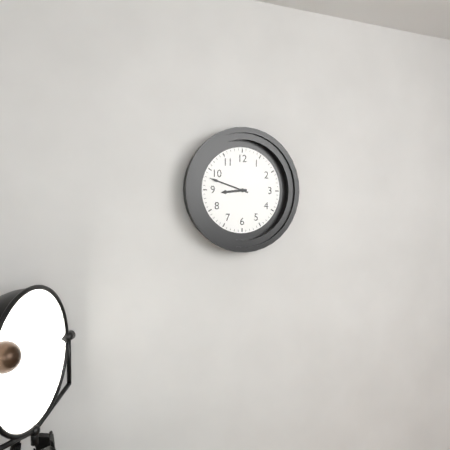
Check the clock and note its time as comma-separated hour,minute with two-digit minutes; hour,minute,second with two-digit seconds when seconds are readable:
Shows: 8,48
